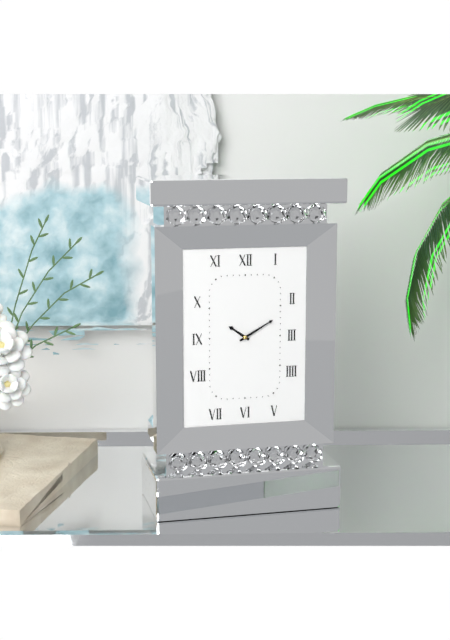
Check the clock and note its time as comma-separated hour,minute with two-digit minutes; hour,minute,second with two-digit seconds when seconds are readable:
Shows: 10,10
